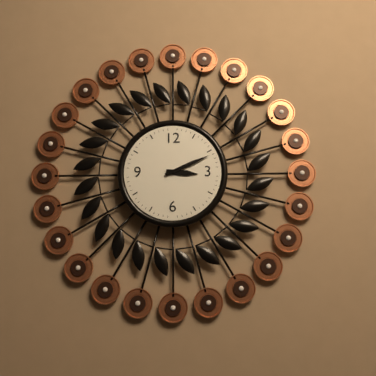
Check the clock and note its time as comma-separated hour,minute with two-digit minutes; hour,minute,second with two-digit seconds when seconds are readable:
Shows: 3,11
